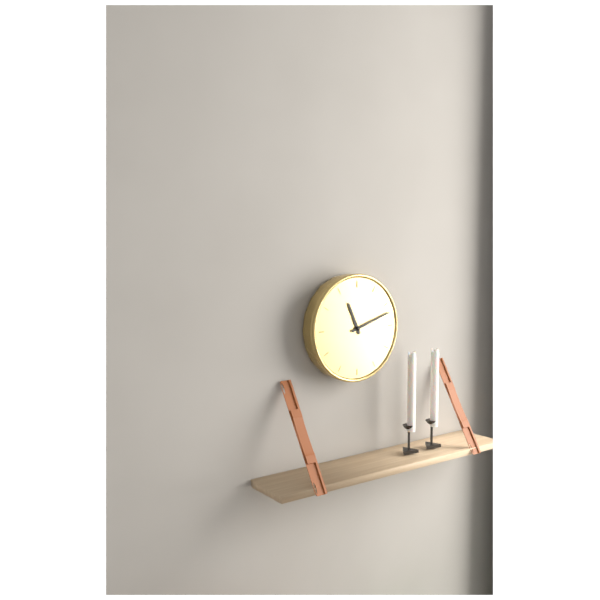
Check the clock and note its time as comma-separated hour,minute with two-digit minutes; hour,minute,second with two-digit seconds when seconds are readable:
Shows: 11,12
